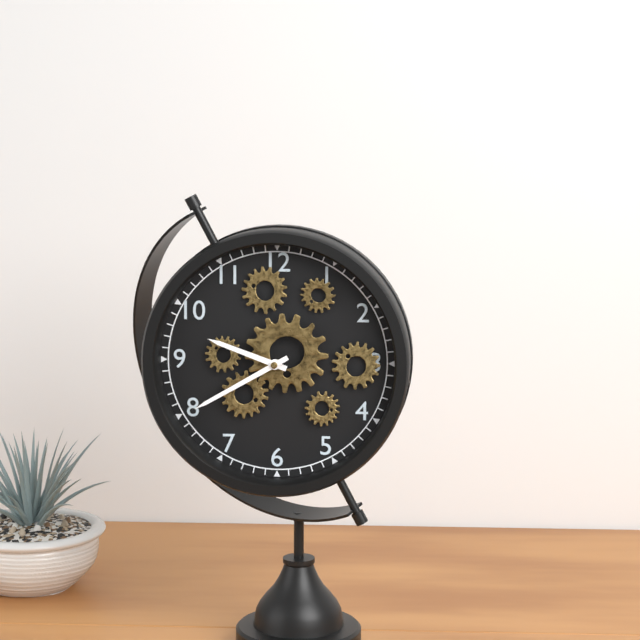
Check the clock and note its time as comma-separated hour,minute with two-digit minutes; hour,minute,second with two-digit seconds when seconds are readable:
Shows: 9,40
